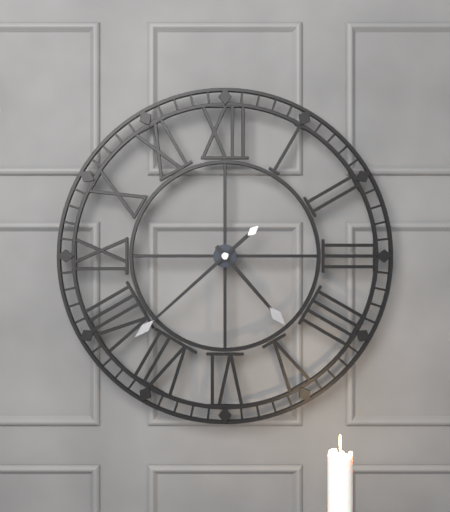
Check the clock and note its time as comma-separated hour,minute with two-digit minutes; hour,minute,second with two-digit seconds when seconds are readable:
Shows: 4,38
